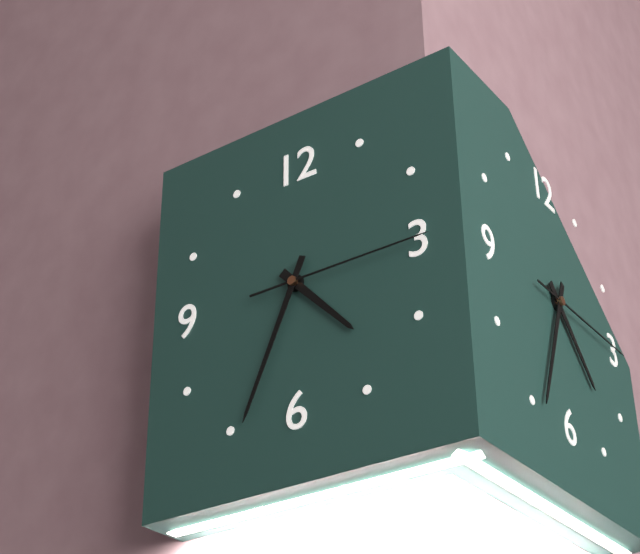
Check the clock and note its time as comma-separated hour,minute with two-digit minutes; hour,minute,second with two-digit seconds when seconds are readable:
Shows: 4,34,15
